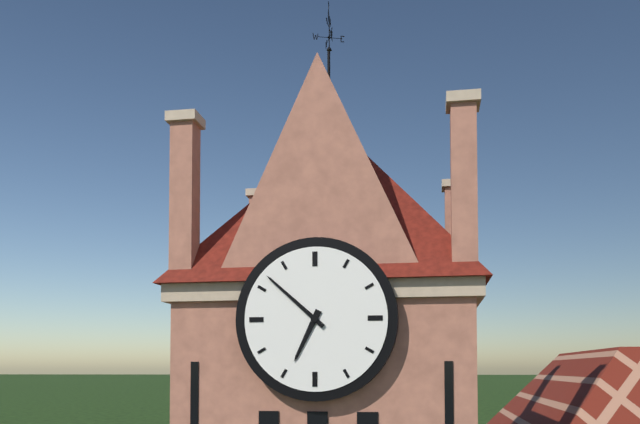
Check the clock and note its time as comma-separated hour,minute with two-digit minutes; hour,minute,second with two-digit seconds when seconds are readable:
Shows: 6,52
